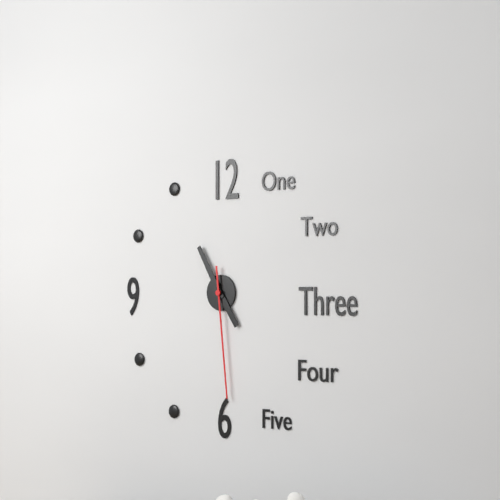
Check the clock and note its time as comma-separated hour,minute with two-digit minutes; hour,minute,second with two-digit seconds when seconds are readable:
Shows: 4,55,29
